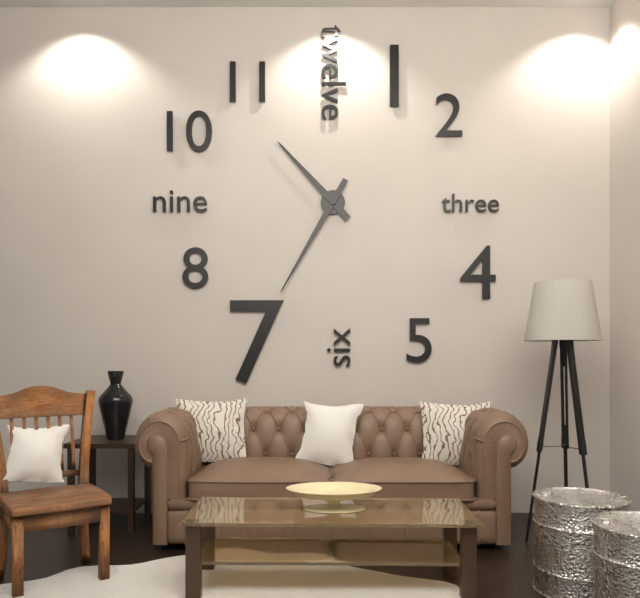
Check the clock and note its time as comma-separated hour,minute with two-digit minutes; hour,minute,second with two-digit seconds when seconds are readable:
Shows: 10,35
